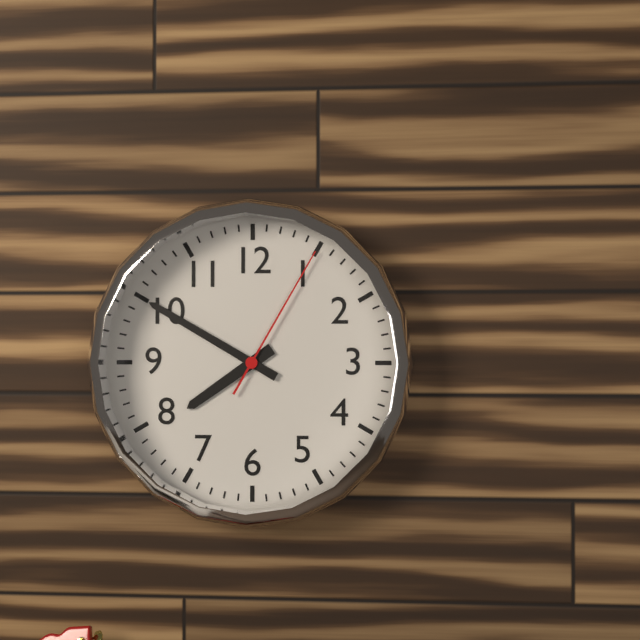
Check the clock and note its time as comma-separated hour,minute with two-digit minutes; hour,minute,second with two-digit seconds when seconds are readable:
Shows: 7,50,05
